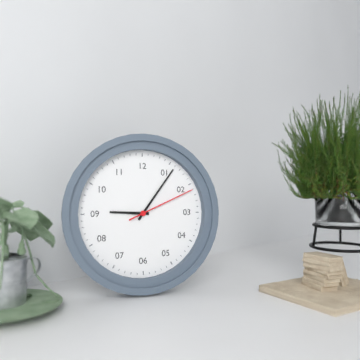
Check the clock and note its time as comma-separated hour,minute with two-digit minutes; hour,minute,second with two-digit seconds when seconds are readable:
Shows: 9,06,11
